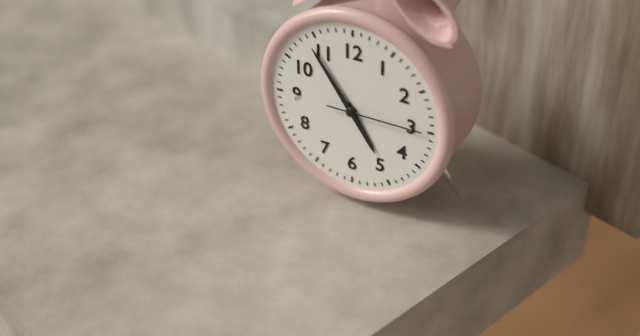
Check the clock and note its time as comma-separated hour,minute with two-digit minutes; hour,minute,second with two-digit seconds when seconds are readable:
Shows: 4,54,15
